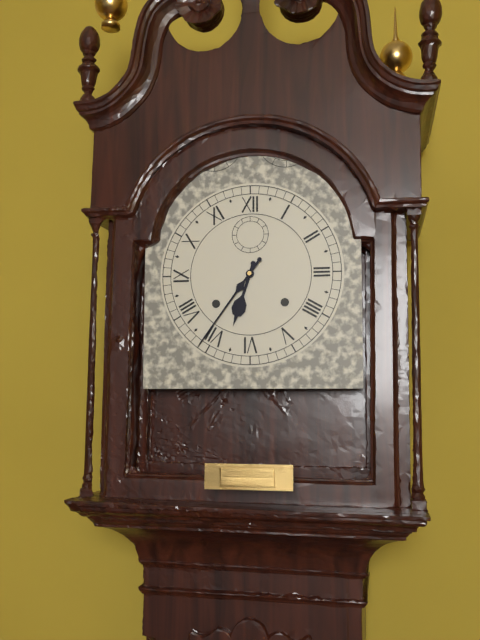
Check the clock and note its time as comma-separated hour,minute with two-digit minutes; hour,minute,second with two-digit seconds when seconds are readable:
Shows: 6,36
